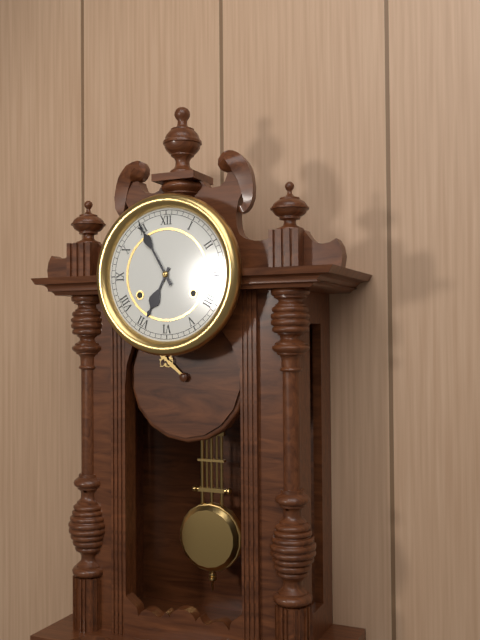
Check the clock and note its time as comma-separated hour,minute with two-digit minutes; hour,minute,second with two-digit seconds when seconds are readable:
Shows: 6,55
